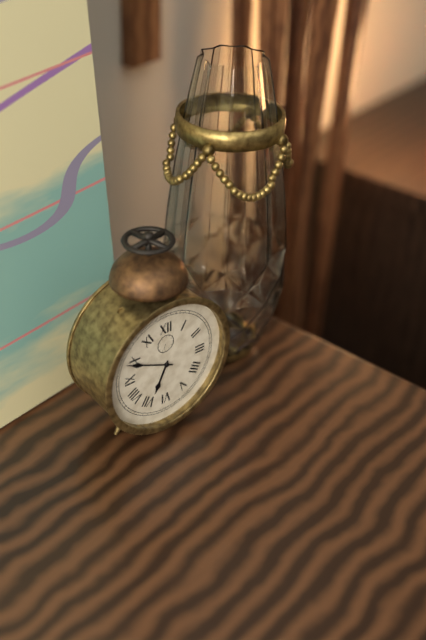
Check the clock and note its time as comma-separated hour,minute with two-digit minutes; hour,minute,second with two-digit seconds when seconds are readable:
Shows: 6,49
